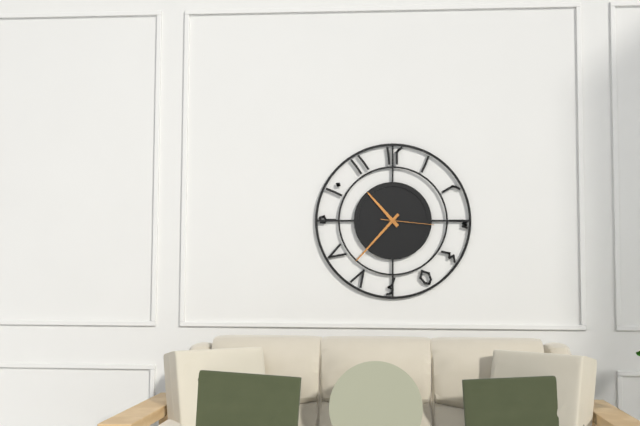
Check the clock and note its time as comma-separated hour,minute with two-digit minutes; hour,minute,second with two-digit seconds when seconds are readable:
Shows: 10,37,16
